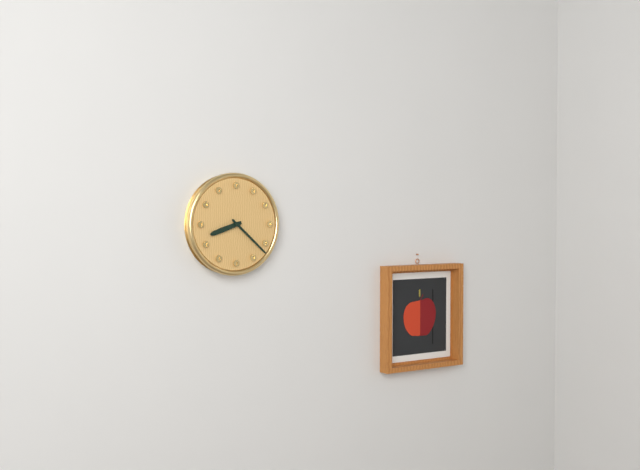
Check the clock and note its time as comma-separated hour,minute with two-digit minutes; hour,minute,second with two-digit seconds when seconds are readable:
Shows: 8,22
